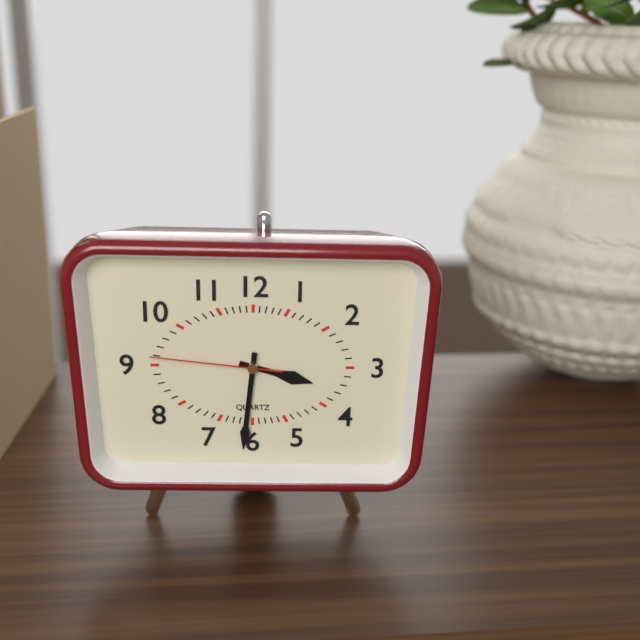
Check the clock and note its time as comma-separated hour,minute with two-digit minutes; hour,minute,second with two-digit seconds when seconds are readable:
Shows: 3,31,46
